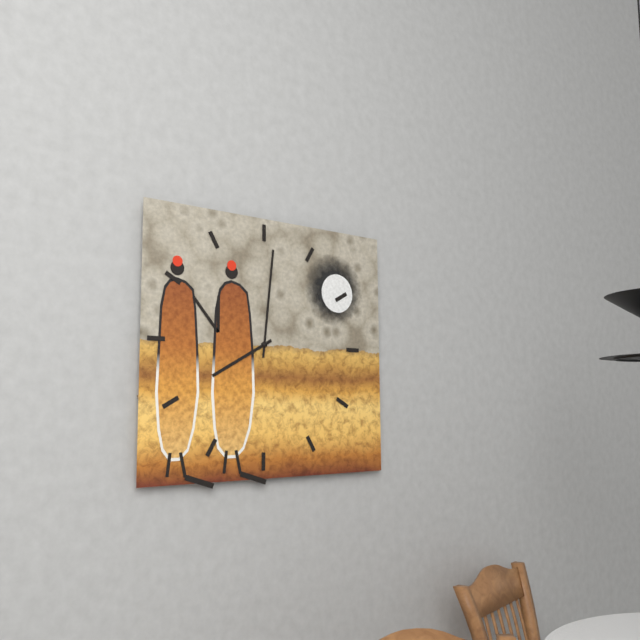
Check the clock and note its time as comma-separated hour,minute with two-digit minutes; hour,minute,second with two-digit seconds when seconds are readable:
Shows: 8,01
